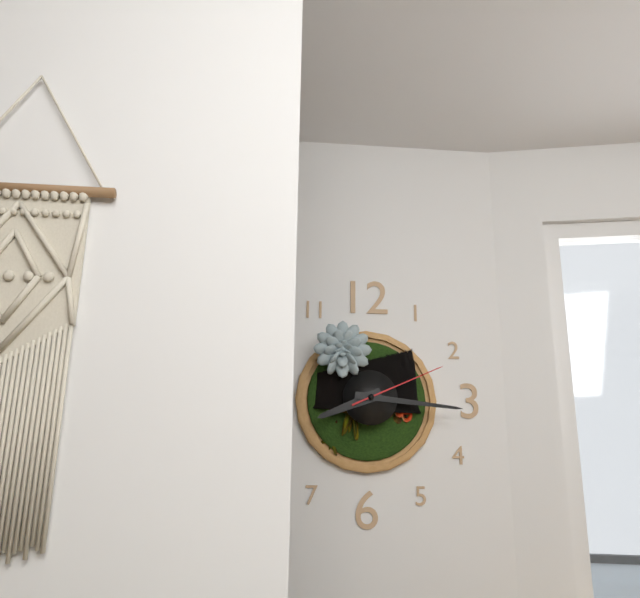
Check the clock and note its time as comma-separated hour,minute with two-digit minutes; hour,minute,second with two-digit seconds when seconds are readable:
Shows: 8,16,11
